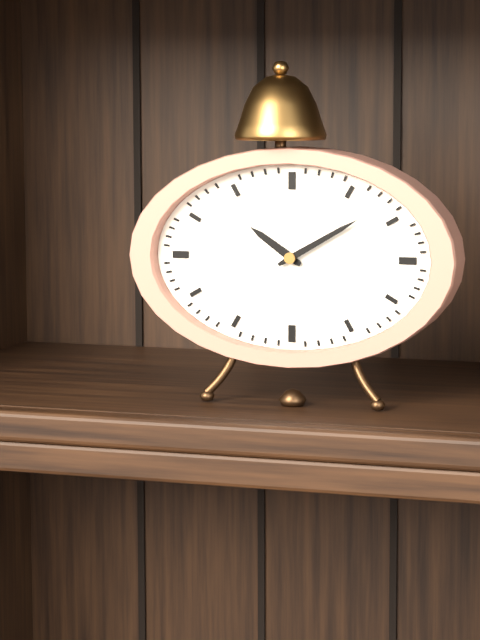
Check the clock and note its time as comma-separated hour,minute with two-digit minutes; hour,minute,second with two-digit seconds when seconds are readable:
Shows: 10,10
